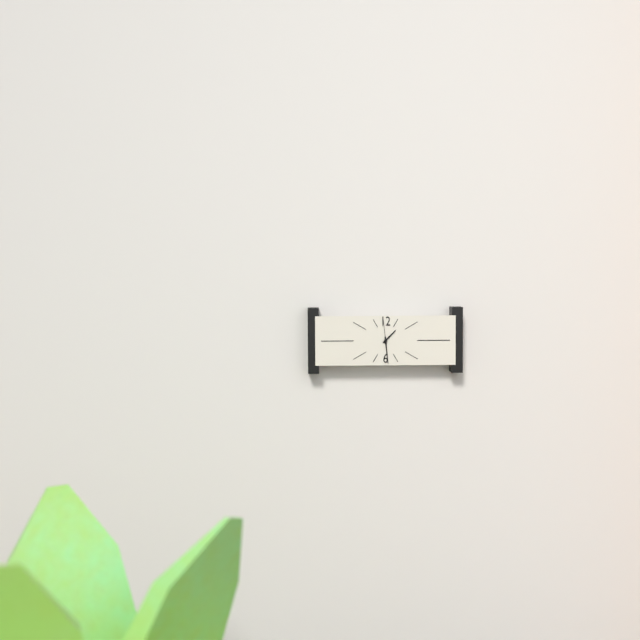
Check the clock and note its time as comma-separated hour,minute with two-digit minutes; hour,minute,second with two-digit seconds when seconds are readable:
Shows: 1,29
